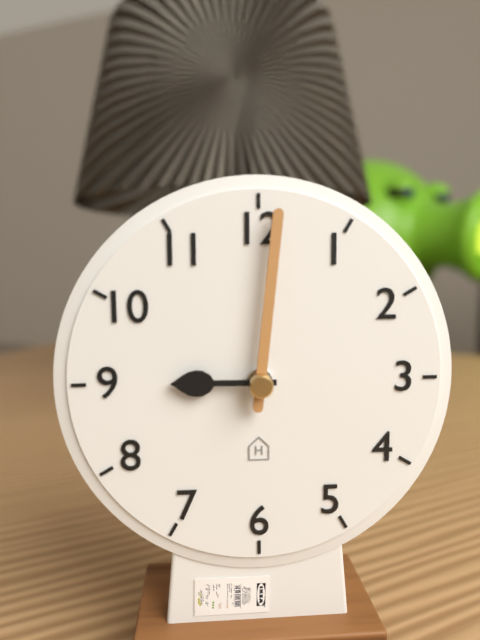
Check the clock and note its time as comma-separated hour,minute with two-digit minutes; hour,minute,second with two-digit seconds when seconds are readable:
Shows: 9,01
